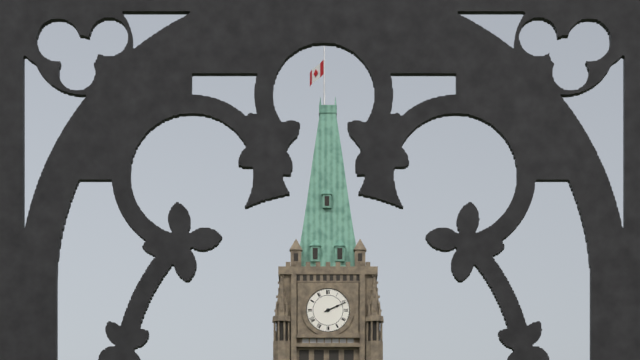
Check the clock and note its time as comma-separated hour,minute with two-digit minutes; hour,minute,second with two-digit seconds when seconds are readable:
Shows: 2,11
